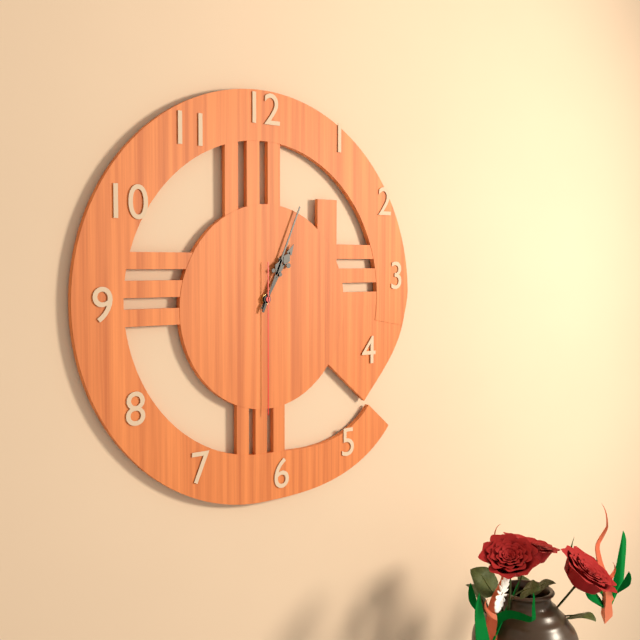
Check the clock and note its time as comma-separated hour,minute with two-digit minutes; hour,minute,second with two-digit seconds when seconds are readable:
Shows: 1,04,30
